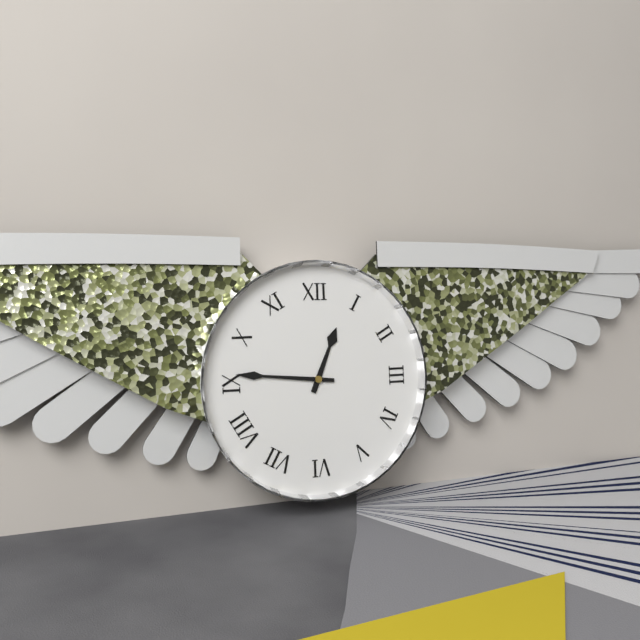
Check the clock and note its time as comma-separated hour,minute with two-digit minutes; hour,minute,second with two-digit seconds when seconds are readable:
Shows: 12,46
